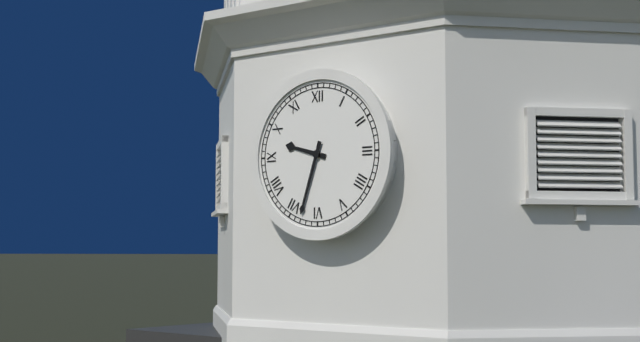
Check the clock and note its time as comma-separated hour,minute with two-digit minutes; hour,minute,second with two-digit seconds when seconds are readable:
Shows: 9,33
